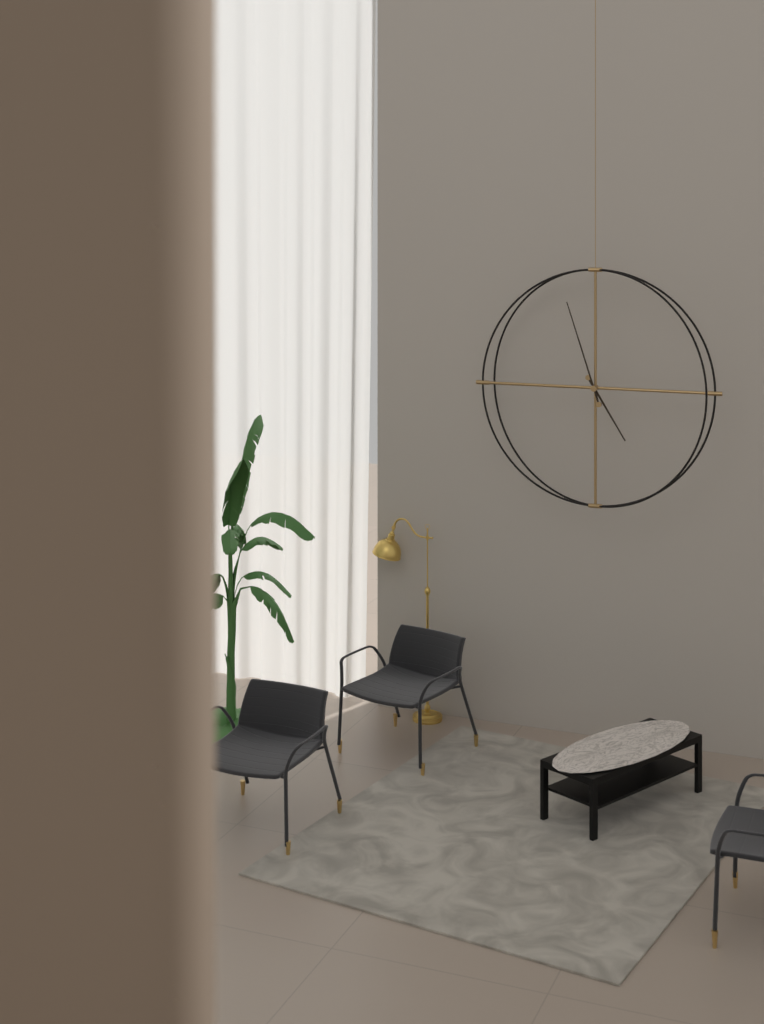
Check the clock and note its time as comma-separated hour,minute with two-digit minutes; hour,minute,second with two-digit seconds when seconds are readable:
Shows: 4,57
